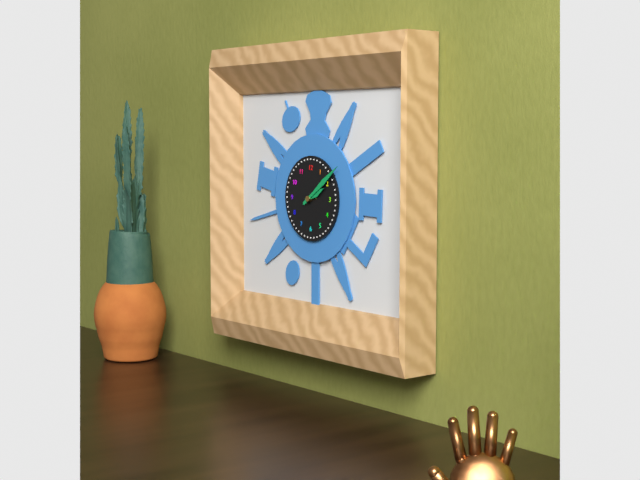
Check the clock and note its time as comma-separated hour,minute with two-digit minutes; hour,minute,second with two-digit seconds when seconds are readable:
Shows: 2,09
